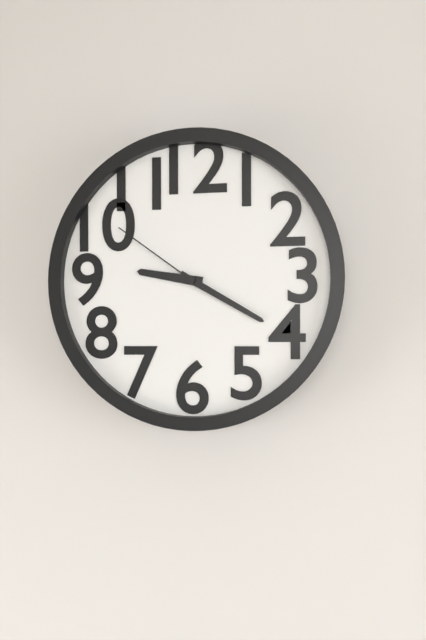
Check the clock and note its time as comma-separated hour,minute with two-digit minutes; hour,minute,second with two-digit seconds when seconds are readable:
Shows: 9,20,51
